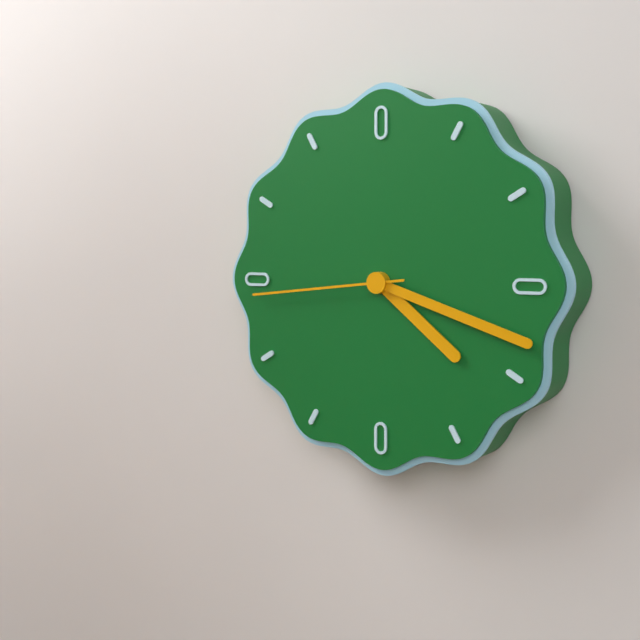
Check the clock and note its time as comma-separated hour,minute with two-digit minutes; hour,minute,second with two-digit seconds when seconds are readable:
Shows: 4,18,44
